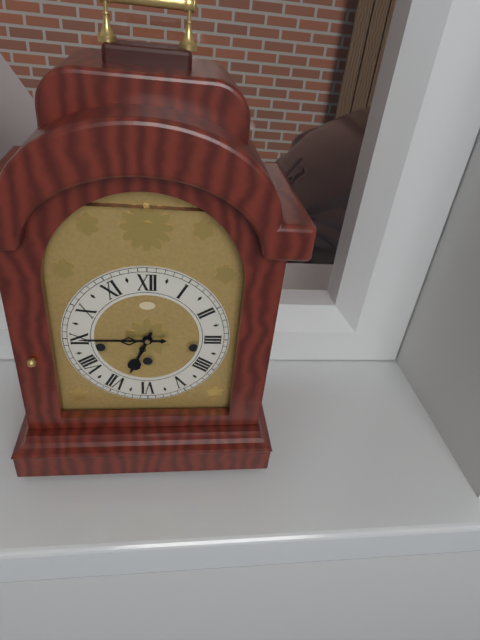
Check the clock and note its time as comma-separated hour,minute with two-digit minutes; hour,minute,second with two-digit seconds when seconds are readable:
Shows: 6,45
